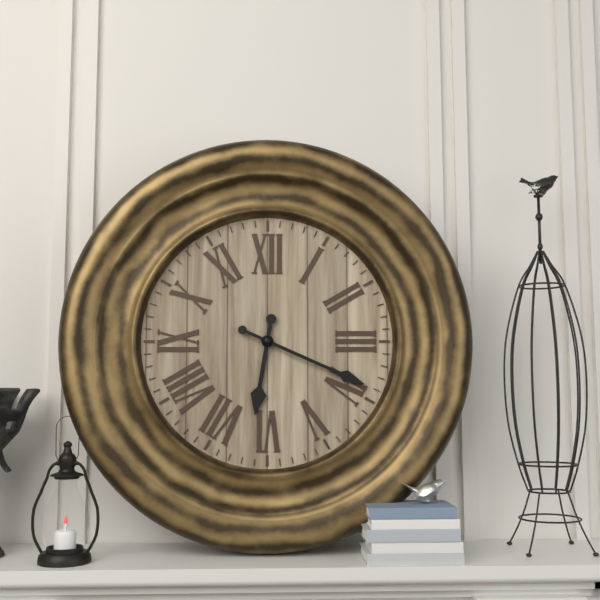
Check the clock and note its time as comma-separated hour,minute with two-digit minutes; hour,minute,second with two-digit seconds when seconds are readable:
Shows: 6,19
